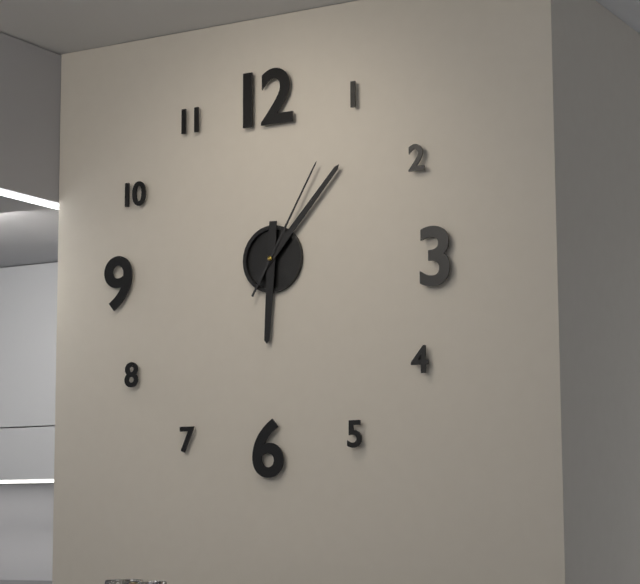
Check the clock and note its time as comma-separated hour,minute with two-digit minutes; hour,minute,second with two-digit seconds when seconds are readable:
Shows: 6,07,05
